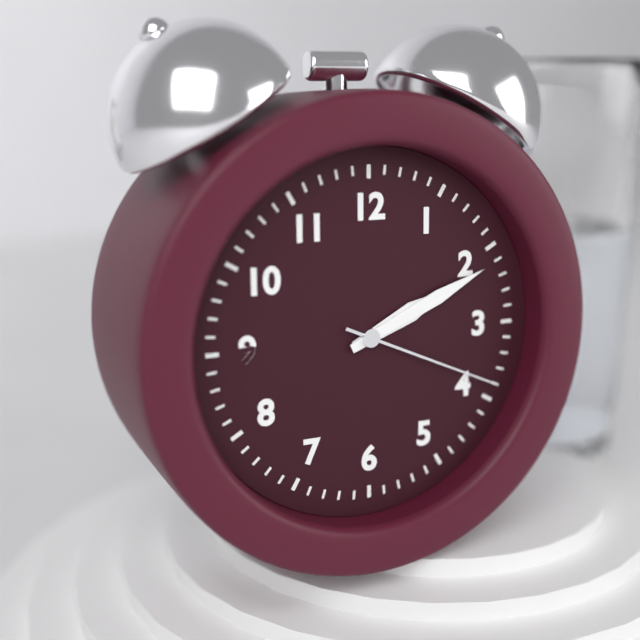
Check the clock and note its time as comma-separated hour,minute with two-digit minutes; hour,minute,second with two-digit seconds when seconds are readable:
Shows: 2,11,19
